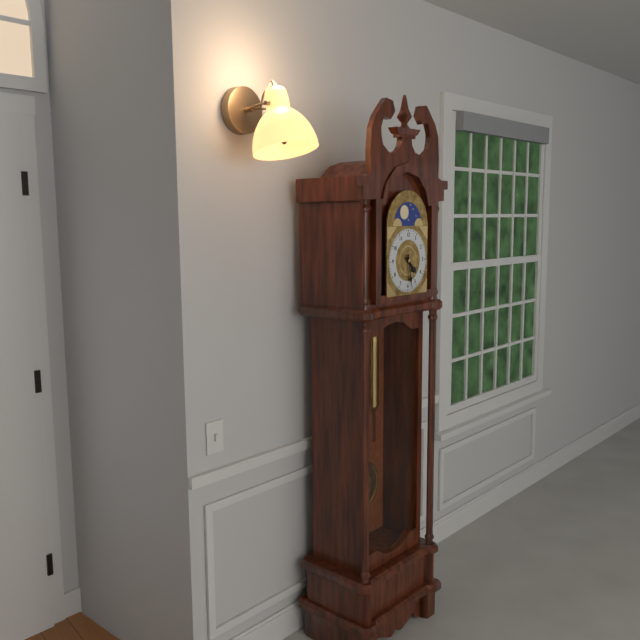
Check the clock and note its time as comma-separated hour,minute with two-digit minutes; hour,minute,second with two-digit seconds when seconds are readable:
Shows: 4,28
